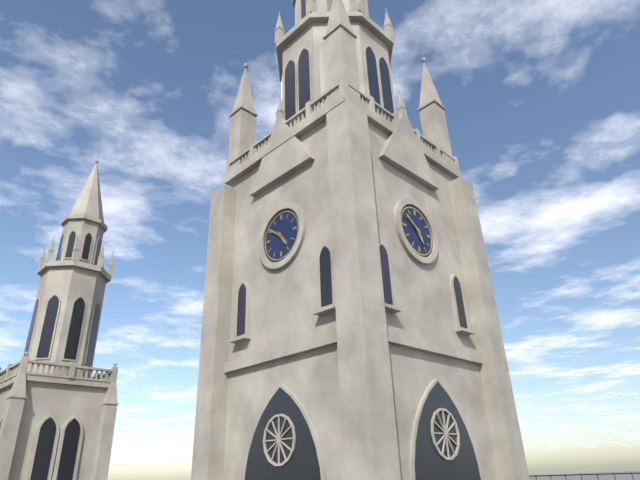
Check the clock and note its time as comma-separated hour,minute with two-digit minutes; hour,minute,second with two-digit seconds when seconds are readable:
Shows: 4,51
